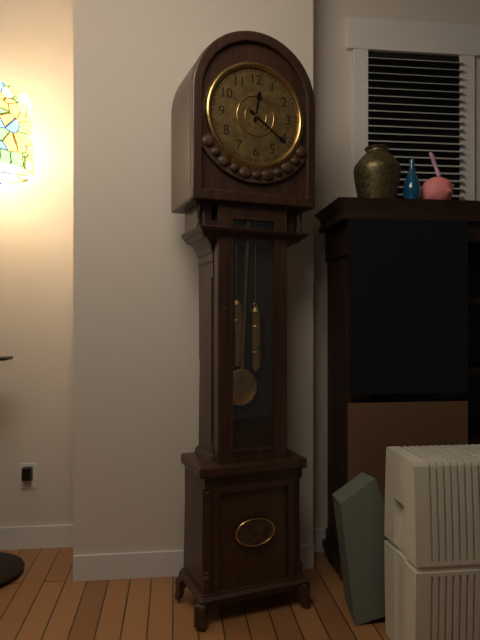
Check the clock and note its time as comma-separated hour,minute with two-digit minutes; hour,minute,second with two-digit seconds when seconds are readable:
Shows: 12,21
